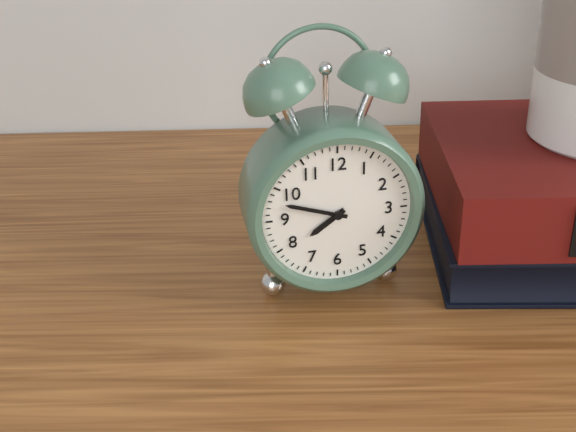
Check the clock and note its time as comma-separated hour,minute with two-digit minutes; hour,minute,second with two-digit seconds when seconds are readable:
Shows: 7,48
